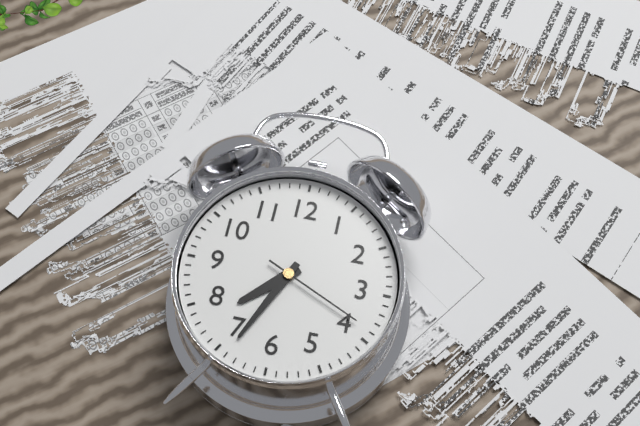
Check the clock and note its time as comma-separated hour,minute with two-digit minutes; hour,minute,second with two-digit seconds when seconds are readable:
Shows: 7,34,19
